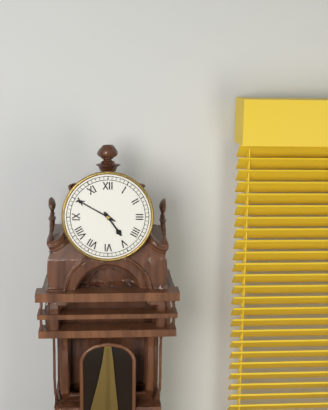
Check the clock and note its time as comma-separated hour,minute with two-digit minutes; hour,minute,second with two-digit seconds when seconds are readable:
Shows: 4,50
